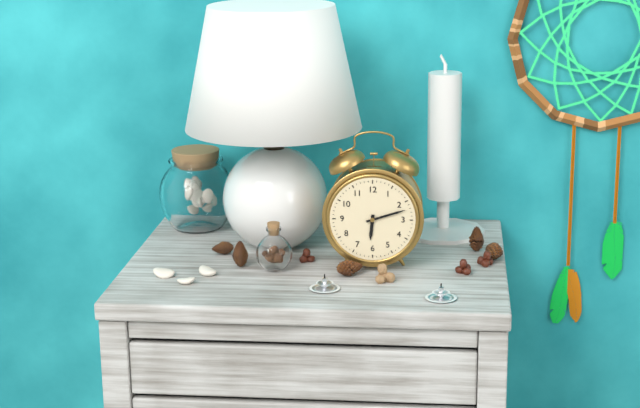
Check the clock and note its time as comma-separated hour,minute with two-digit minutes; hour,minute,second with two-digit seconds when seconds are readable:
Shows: 6,12
